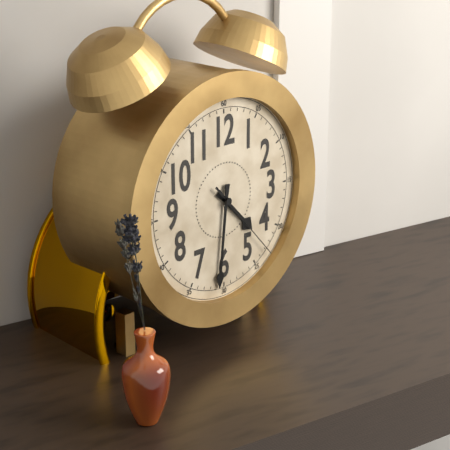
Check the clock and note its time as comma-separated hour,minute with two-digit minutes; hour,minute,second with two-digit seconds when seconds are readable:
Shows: 4,31,23
